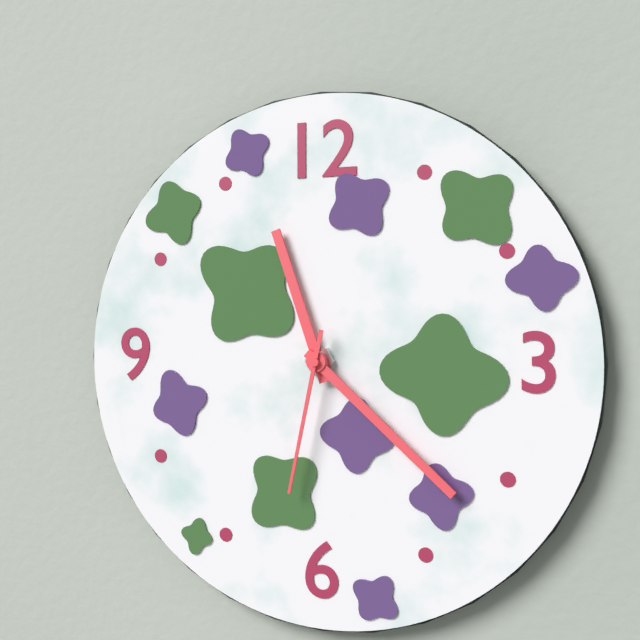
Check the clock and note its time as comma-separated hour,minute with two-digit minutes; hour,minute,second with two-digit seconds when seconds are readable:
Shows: 11,22,32
